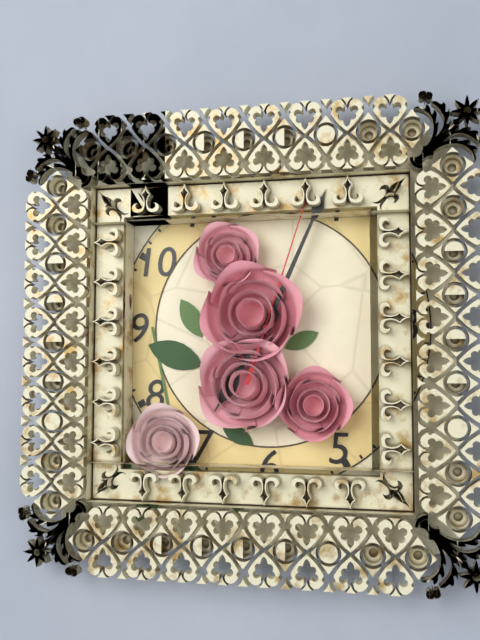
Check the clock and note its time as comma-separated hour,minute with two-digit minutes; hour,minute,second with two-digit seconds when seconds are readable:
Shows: 7,04,03
